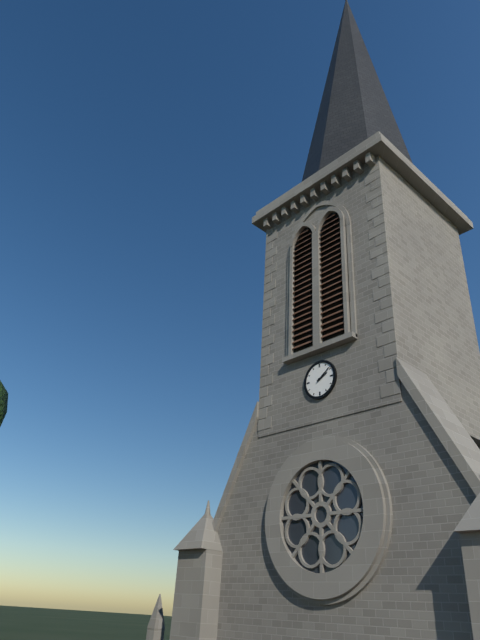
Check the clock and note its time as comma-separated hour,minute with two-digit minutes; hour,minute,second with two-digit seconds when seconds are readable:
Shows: 2,09
